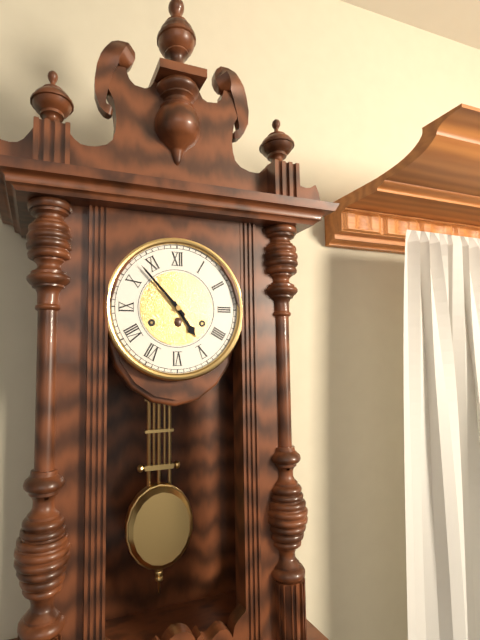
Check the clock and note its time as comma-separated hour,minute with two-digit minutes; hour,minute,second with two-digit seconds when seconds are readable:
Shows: 4,53
